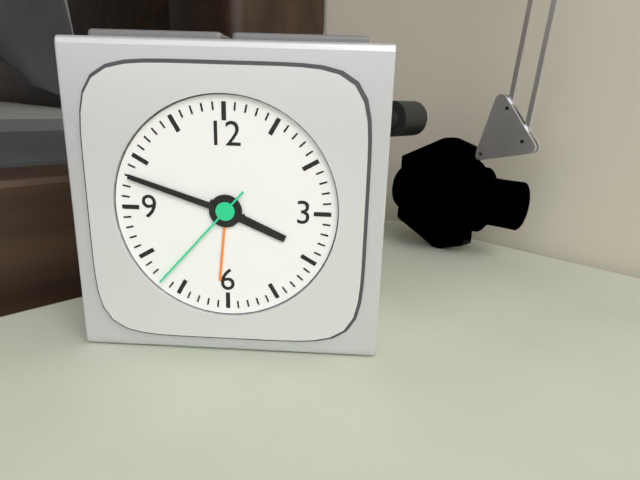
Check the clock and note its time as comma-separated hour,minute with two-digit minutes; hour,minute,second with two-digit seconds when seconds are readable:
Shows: 3,48,37
